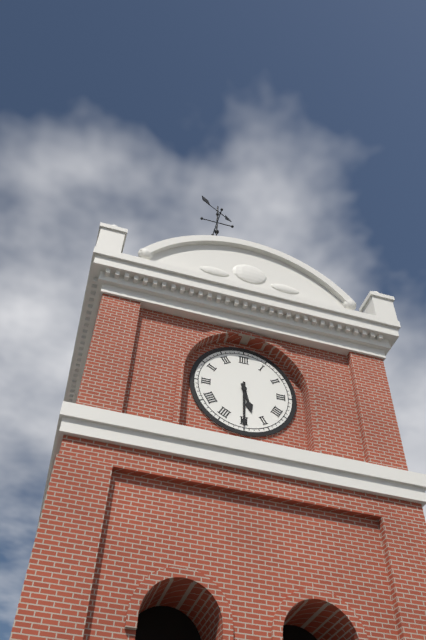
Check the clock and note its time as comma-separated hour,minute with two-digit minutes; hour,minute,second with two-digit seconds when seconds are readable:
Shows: 5,30
